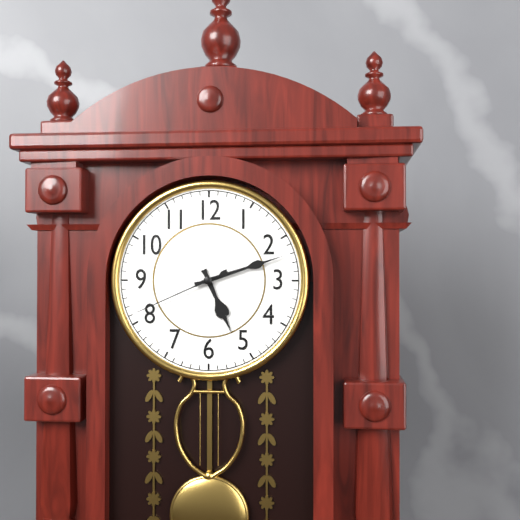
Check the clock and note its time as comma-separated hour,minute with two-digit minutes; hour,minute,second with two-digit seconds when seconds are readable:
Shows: 5,12,41
